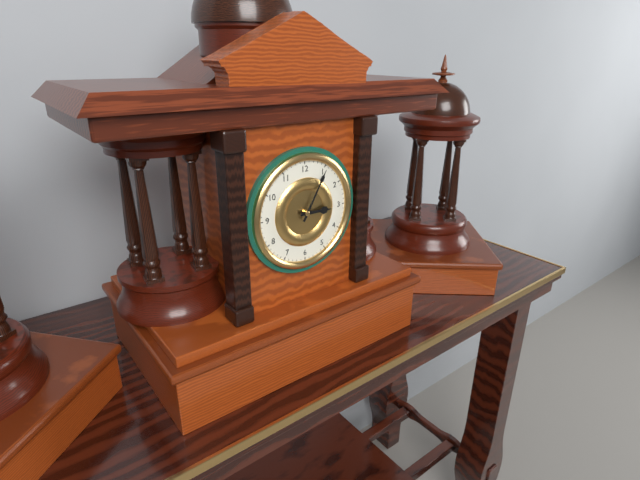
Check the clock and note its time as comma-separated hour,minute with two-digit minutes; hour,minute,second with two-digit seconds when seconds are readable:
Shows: 3,05
